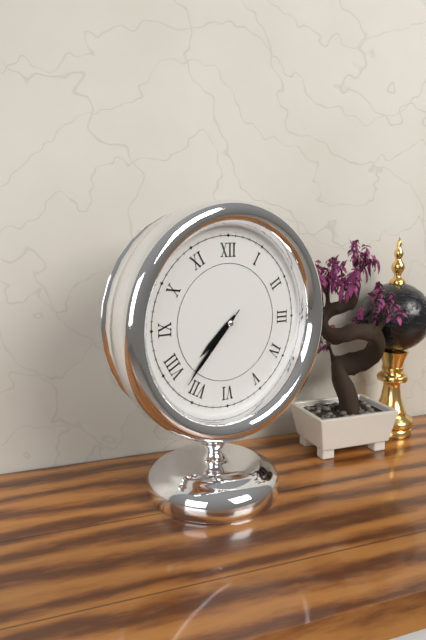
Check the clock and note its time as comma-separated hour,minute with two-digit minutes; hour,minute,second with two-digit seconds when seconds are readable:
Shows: 7,37,37
